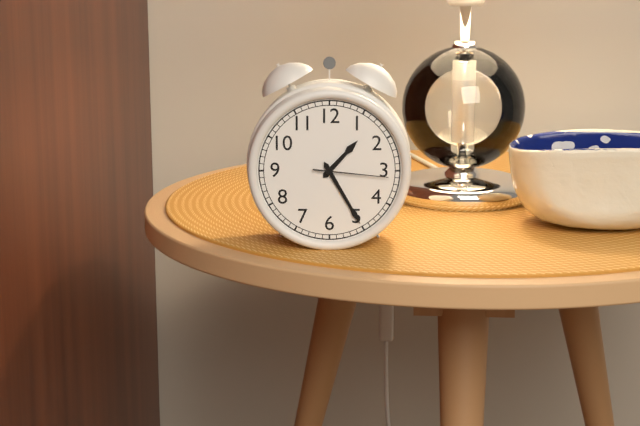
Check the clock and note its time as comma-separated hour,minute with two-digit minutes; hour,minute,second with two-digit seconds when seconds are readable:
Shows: 1,25,16
